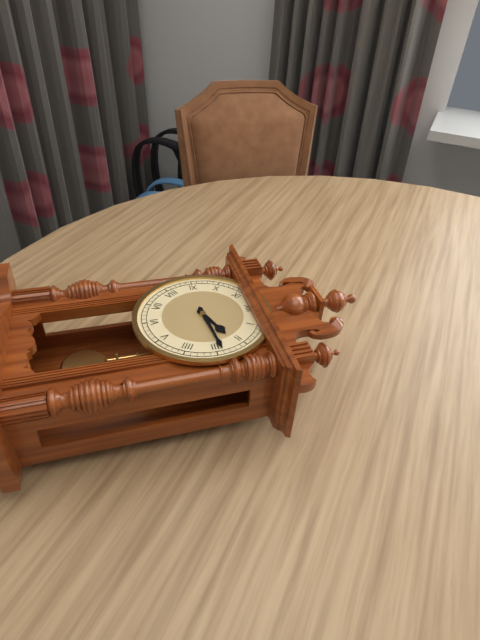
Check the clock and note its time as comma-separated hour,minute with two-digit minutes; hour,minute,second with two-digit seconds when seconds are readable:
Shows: 2,14
